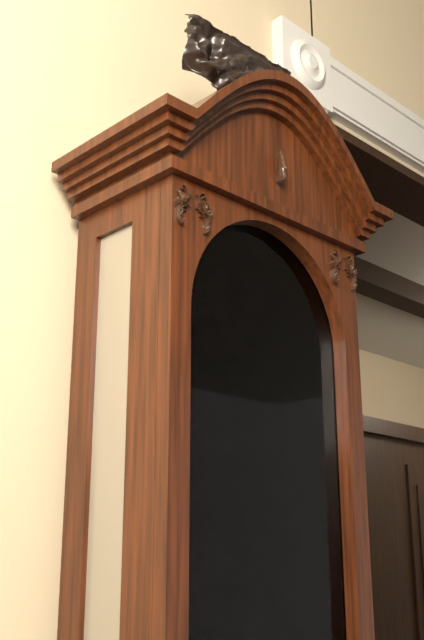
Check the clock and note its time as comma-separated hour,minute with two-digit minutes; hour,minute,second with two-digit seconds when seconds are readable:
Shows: 3,15
